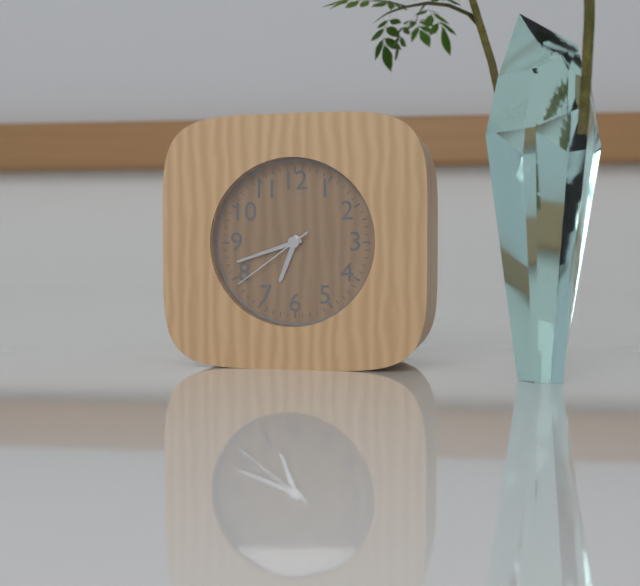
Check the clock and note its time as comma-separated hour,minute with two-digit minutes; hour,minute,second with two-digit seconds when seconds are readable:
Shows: 6,42,39
